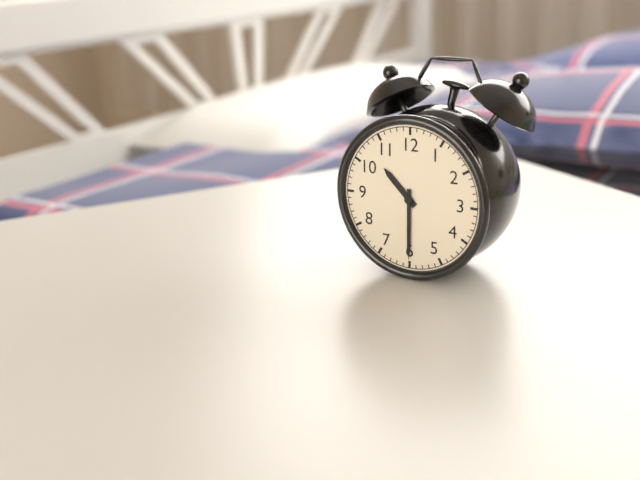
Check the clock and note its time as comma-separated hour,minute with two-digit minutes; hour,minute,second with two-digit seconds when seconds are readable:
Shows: 10,30
